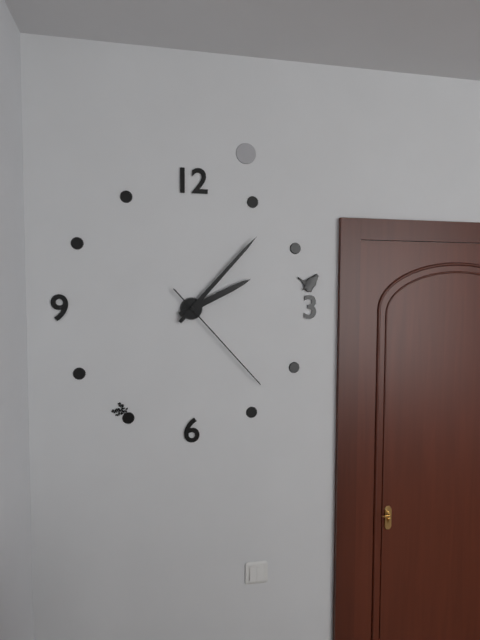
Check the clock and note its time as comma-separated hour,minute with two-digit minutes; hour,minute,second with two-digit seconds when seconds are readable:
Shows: 2,07,23
